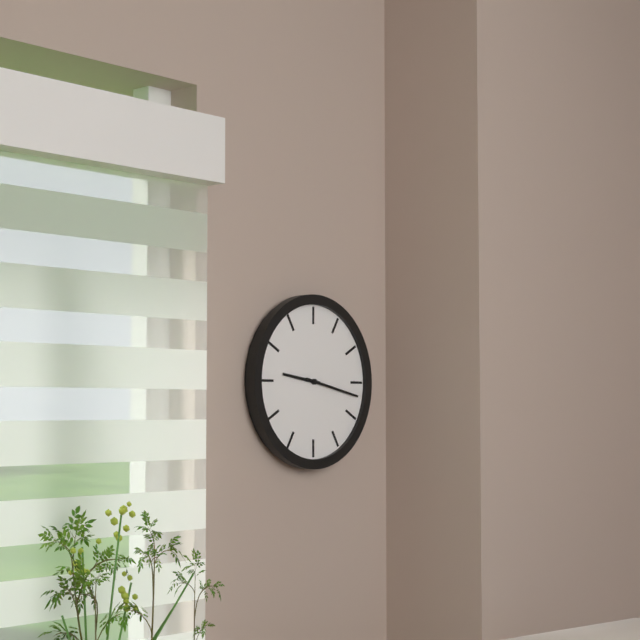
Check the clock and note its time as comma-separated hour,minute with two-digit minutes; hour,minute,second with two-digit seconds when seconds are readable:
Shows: 9,17
